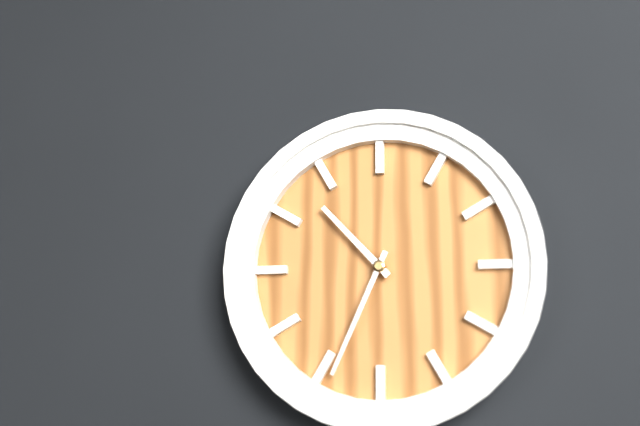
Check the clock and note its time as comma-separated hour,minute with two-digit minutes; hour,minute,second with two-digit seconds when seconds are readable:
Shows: 10,34
